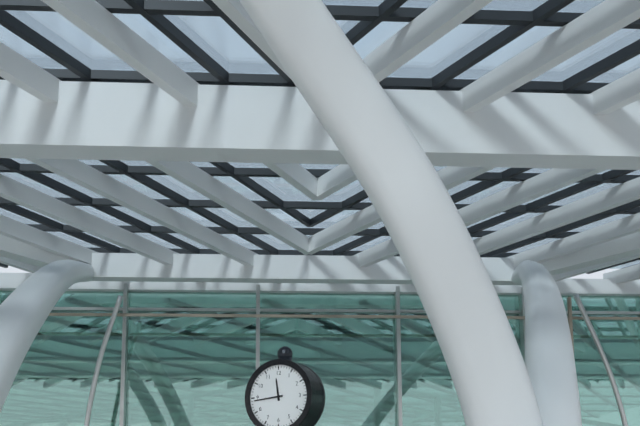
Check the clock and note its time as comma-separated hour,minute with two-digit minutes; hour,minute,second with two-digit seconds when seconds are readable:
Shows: 11,44
